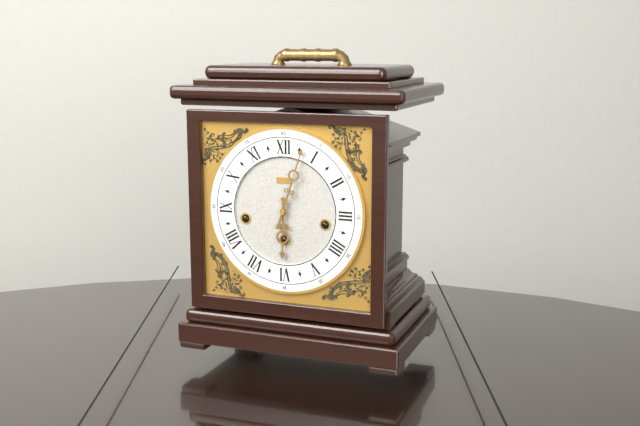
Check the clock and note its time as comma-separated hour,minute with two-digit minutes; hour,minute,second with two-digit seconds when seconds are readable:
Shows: 6,03
